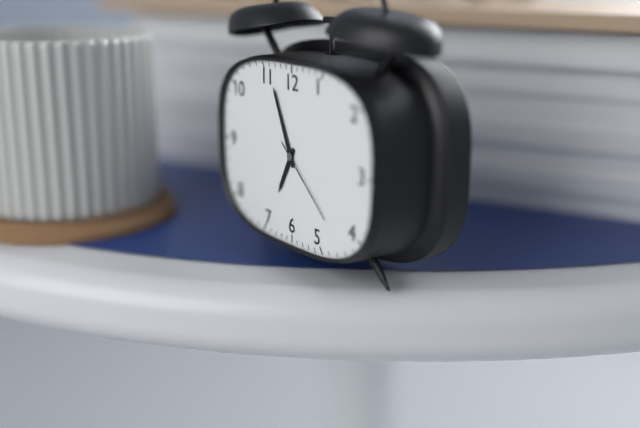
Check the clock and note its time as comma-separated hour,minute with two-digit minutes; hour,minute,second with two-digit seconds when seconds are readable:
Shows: 6,56,22
